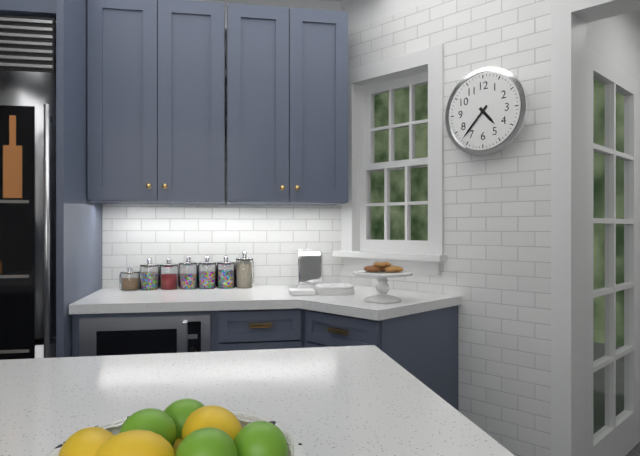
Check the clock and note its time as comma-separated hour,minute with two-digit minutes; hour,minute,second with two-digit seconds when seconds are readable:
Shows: 4,37
